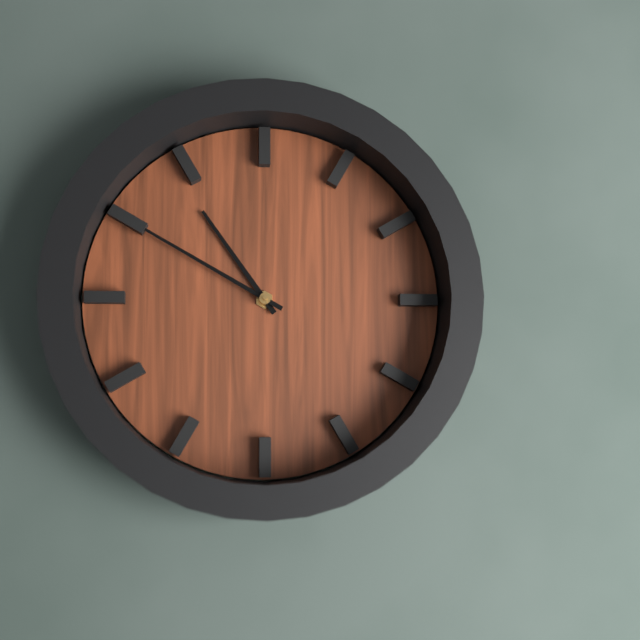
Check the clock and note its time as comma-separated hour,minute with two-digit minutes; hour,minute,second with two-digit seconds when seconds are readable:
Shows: 10,50
